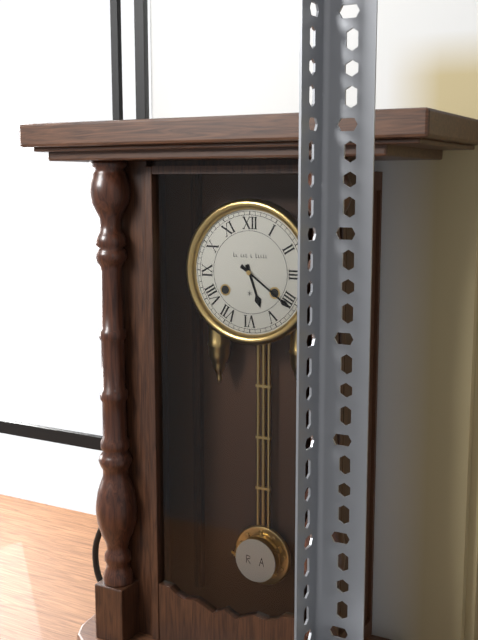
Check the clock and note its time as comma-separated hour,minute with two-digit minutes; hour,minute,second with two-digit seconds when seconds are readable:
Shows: 5,21
